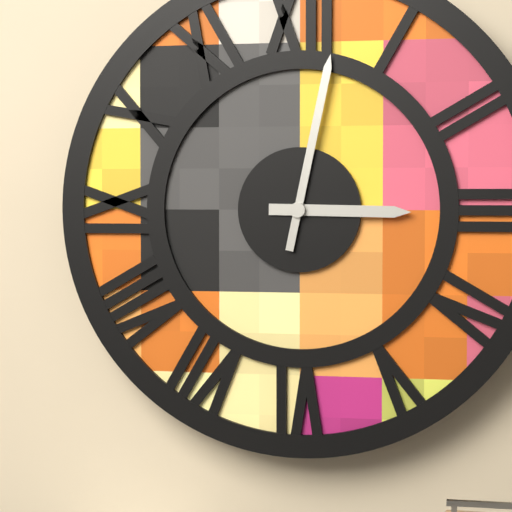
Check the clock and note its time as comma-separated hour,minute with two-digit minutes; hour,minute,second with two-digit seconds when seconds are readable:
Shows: 3,02
